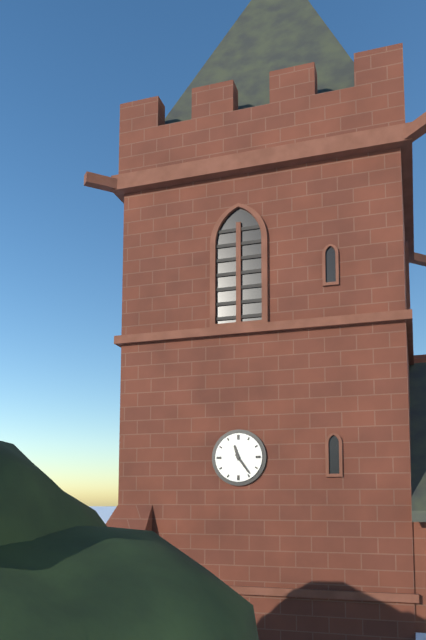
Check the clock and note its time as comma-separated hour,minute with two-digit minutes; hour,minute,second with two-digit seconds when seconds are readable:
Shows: 11,24
